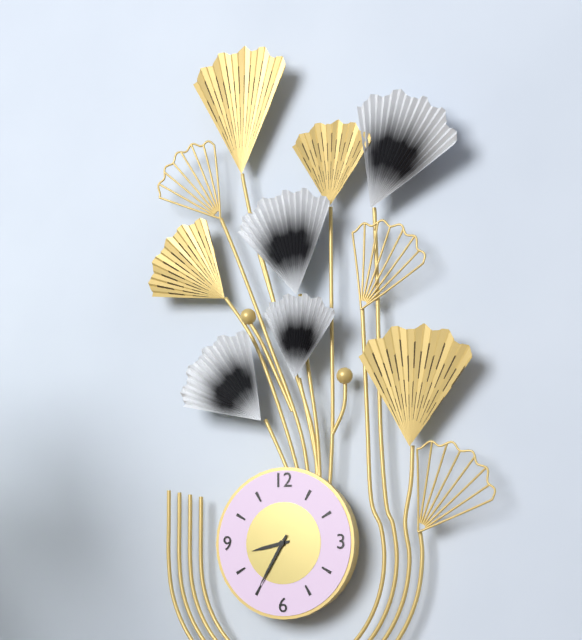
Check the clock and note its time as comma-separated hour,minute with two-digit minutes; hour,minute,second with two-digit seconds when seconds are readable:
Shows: 8,35
